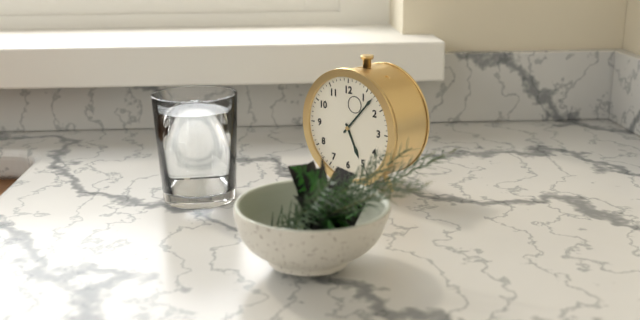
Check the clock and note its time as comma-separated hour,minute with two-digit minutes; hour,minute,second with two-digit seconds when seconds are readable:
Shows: 5,07
